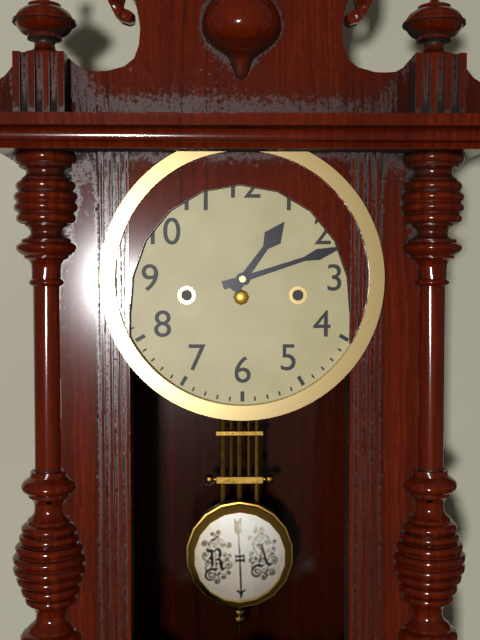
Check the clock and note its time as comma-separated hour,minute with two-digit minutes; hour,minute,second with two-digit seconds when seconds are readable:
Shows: 1,12
